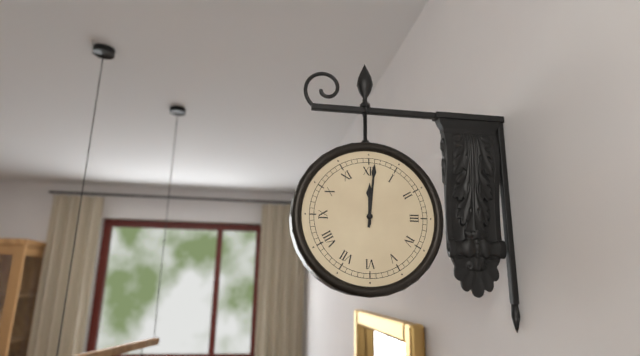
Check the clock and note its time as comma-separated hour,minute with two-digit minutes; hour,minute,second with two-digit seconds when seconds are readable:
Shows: 12,01
